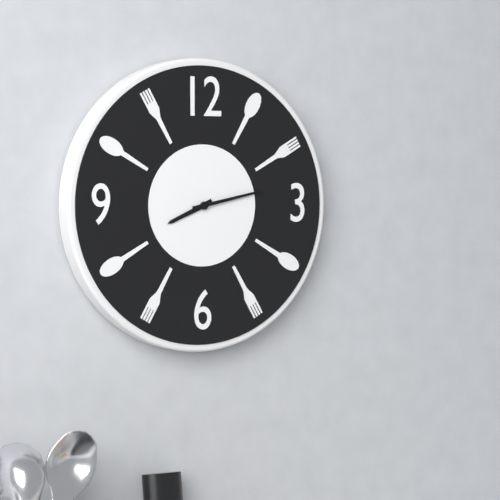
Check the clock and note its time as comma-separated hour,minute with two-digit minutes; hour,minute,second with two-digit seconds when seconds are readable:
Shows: 8,13
